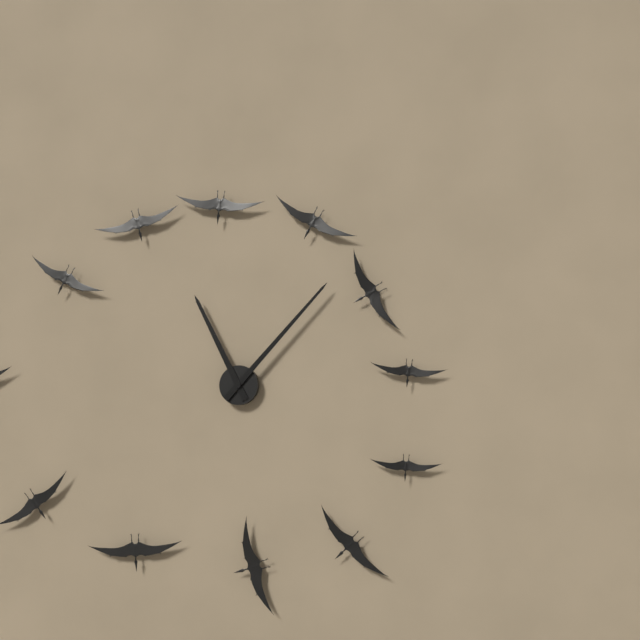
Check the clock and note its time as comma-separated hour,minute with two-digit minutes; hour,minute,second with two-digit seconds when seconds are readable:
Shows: 11,07
